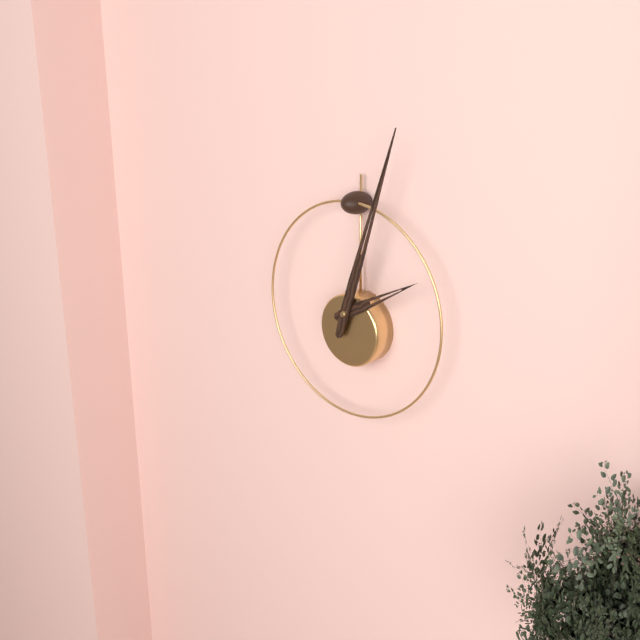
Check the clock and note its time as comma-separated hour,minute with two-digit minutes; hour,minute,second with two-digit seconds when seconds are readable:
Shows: 2,03
